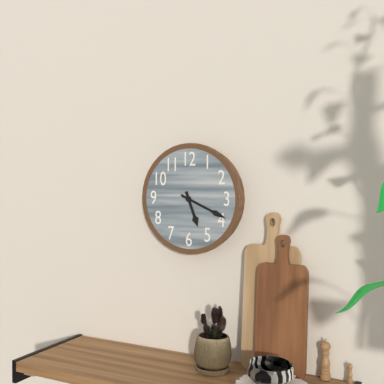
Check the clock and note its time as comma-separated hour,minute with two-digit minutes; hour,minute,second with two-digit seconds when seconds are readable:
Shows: 5,19
